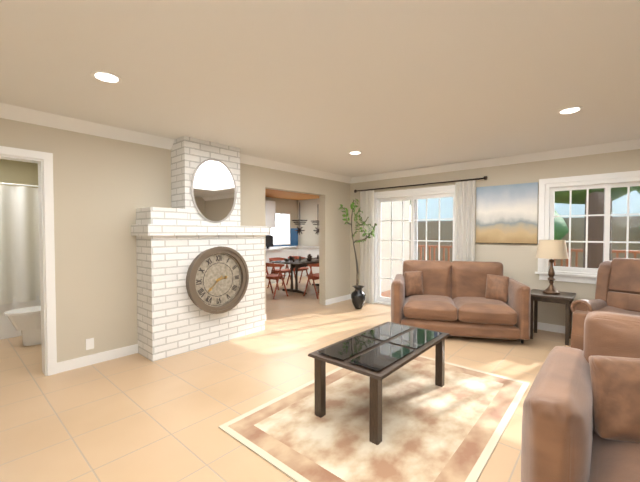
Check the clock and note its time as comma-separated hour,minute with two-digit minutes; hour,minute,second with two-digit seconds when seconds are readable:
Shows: 2,38
